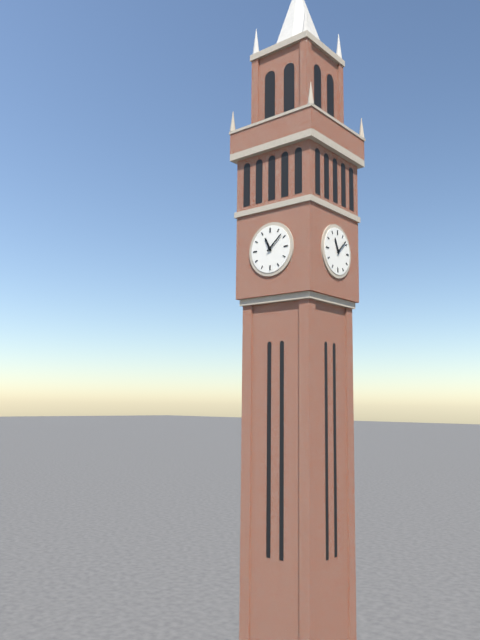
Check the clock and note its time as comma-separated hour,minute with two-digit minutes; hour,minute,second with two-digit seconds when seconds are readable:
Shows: 11,08
